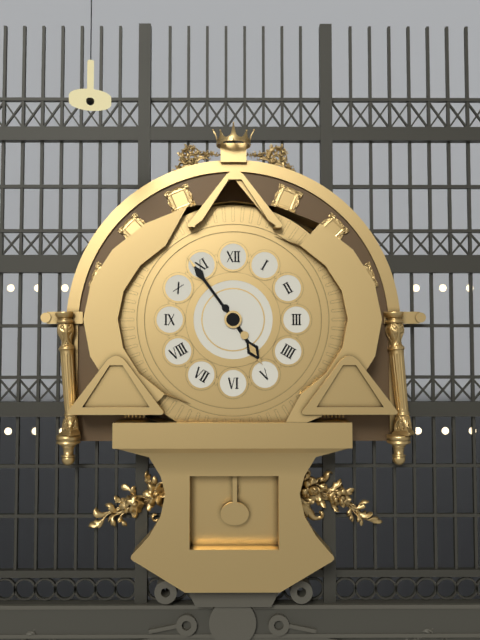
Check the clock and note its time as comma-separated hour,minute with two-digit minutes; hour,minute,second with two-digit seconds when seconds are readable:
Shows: 4,54
